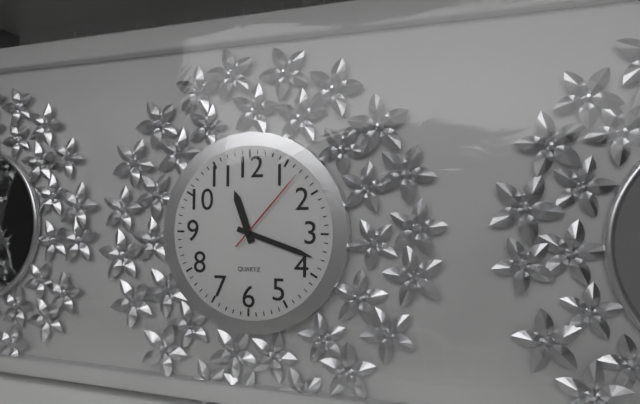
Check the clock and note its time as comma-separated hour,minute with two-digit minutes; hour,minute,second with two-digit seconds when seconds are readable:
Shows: 11,18,07
